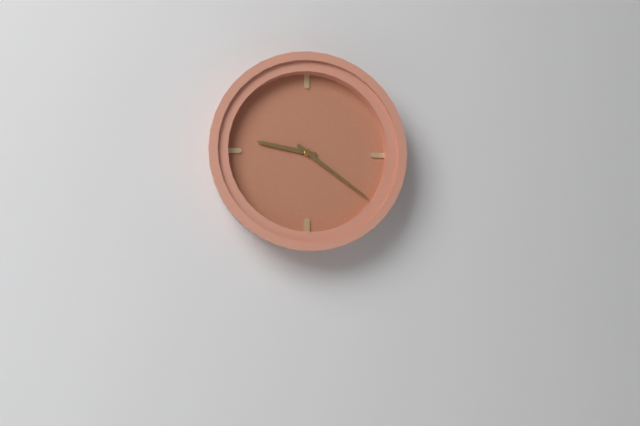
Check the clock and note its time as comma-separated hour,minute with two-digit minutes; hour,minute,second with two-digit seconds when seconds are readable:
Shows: 9,21
